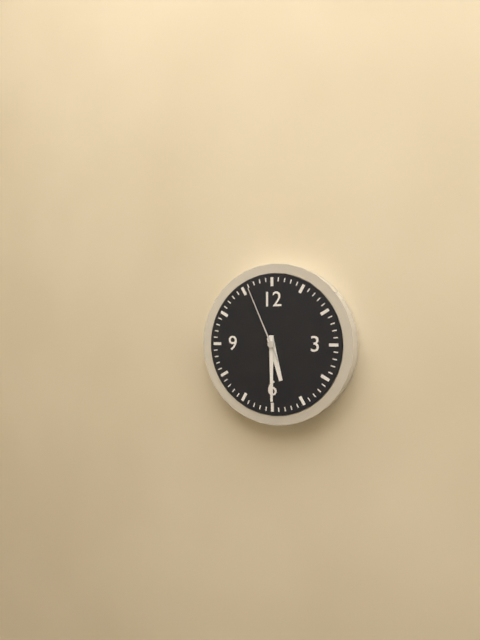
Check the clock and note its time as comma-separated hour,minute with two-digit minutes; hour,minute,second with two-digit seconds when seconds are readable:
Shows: 5,30,56
